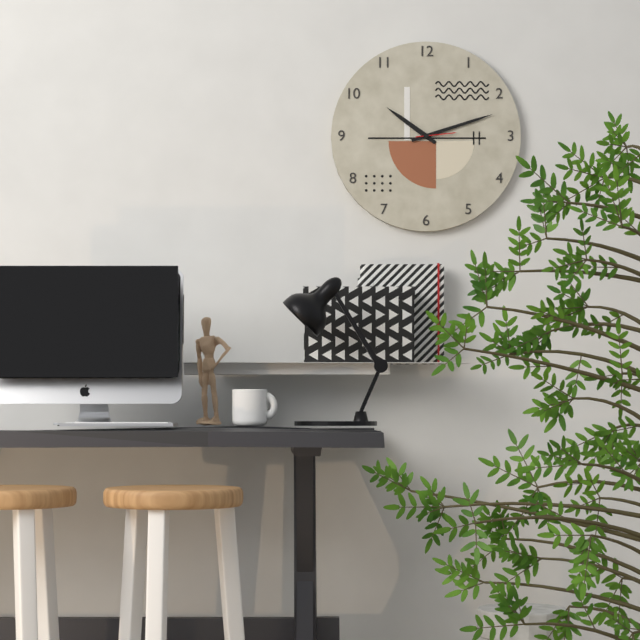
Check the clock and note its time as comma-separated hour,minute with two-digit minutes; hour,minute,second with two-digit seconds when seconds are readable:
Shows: 10,12
